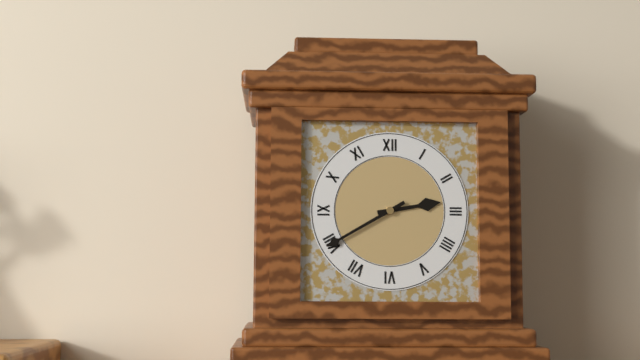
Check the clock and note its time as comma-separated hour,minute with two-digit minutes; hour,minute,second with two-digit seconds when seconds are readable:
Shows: 2,40
